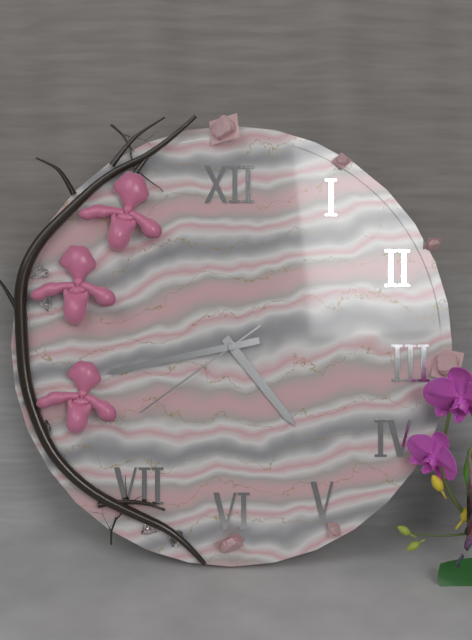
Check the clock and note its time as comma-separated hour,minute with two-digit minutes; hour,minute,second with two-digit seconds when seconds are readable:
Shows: 4,43,39
